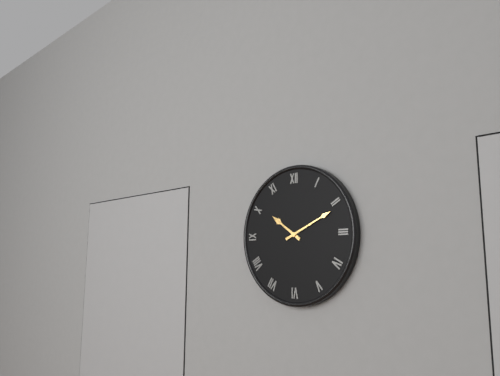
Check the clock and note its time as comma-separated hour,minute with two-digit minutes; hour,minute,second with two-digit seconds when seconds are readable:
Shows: 10,11
